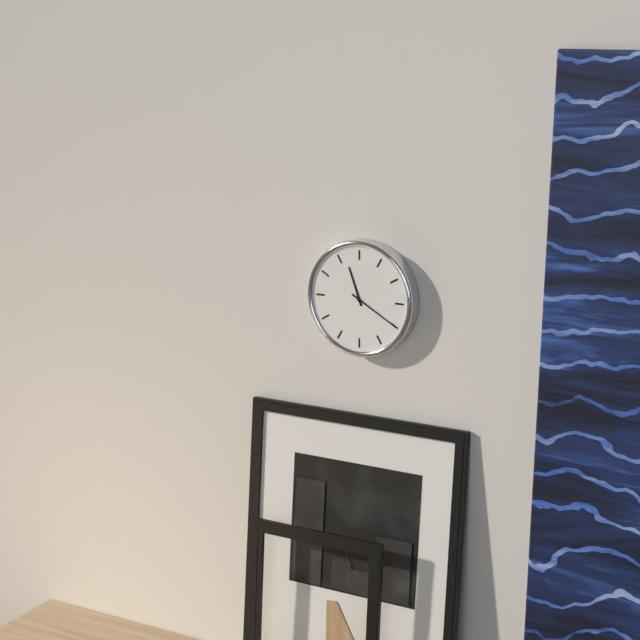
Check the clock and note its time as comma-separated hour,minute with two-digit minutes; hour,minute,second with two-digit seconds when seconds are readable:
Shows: 11,20
